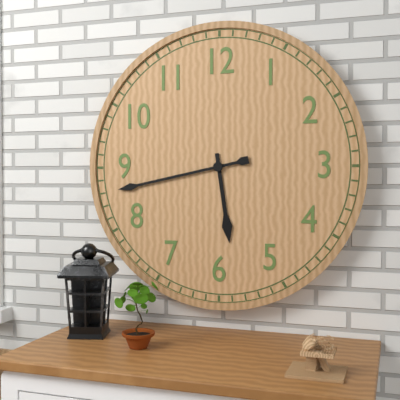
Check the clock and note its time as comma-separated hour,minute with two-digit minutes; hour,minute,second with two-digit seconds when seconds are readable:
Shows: 5,43
